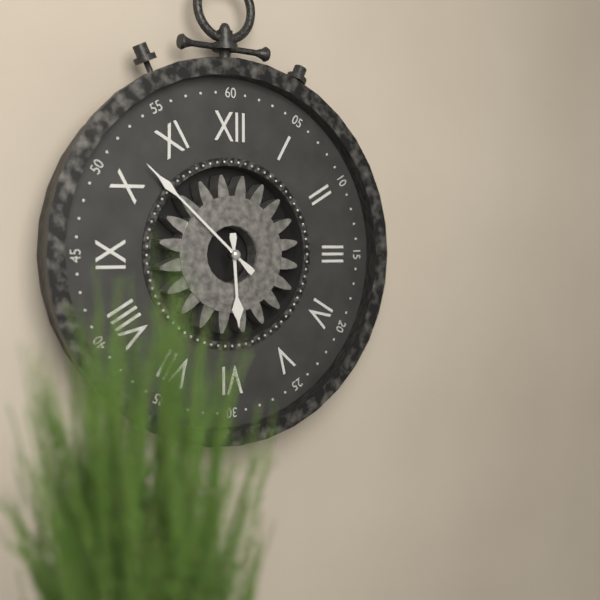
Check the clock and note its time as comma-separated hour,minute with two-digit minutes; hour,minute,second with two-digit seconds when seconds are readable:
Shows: 5,52
